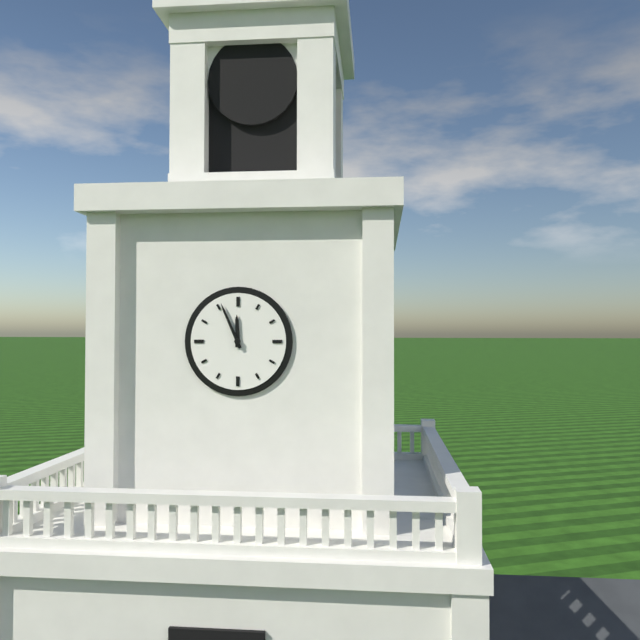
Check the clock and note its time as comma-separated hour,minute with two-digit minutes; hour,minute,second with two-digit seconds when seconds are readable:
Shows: 11,56
